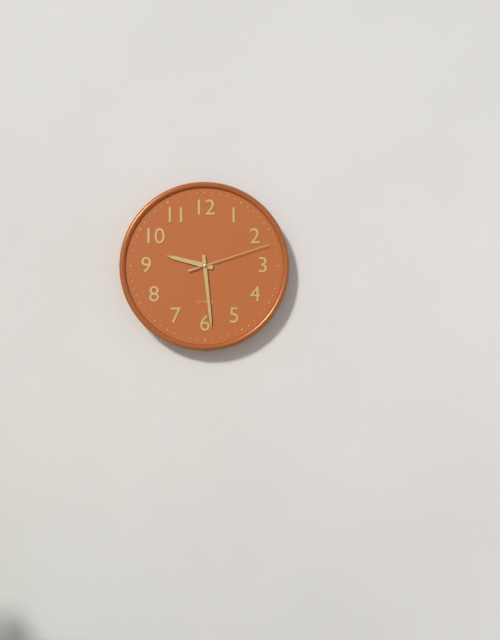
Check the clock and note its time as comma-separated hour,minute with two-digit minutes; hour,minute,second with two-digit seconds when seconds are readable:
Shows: 9,29,12
